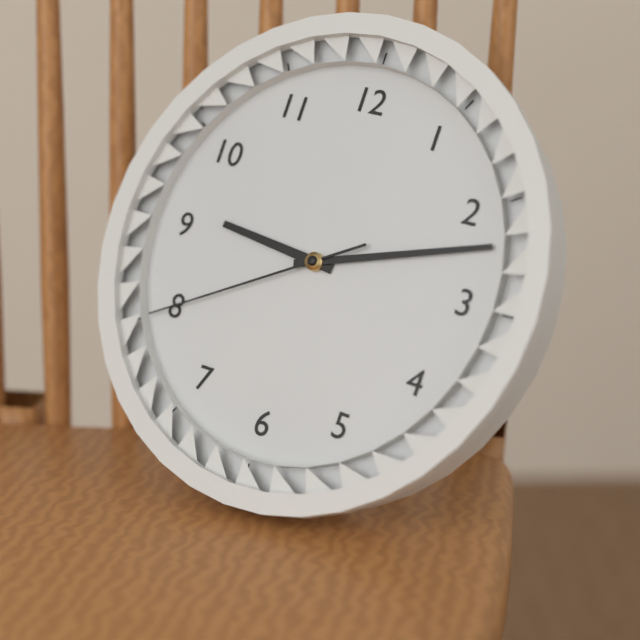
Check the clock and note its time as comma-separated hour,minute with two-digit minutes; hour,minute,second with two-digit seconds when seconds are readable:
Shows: 9,12,40
